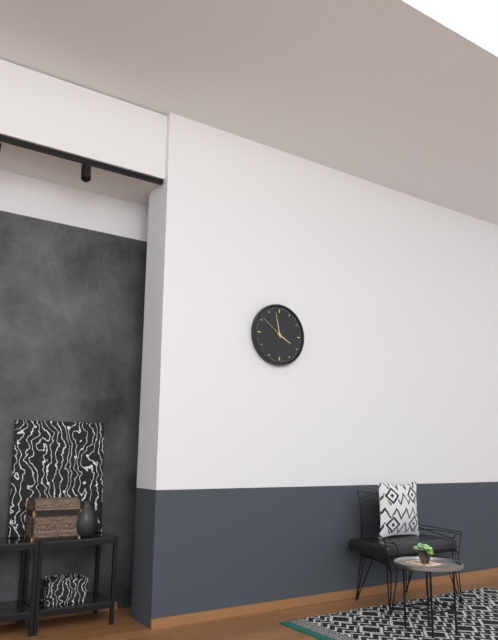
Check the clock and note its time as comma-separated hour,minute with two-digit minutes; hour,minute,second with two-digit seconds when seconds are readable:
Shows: 3,58
